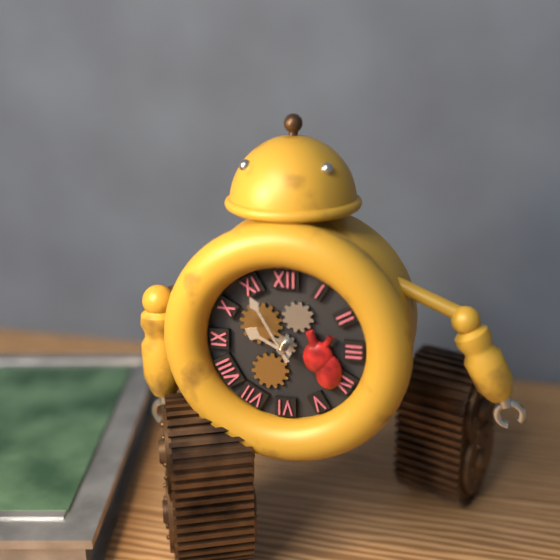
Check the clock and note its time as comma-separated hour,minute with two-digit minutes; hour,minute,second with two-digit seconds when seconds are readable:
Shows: 9,55
